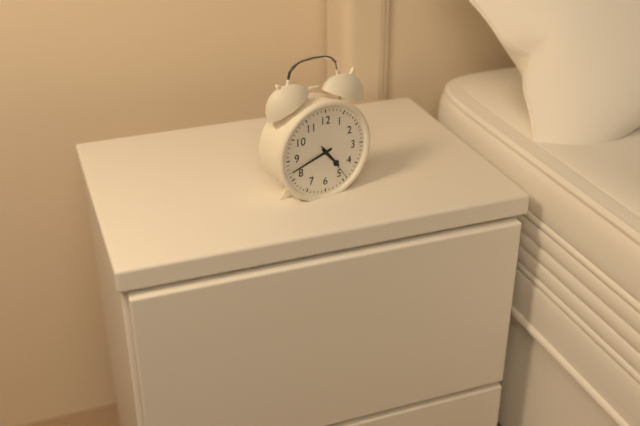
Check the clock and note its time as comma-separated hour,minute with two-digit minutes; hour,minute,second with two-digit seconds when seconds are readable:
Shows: 4,42
